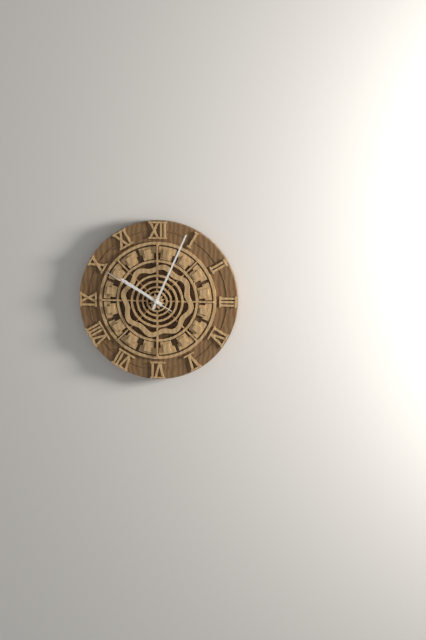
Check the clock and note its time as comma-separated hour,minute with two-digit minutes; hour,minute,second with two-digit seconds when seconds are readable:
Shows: 10,04,50
